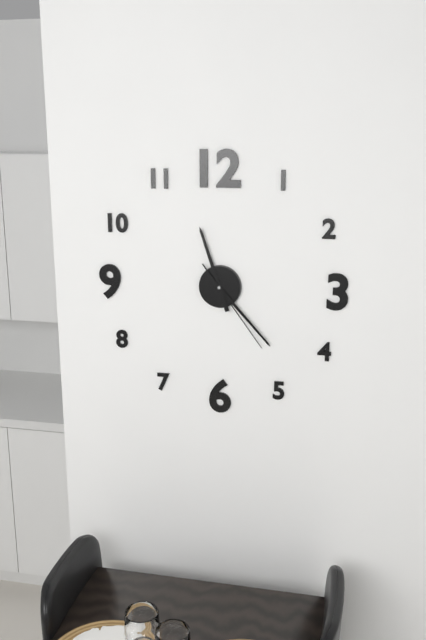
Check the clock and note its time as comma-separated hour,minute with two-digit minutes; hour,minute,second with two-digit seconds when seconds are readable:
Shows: 11,23,24
